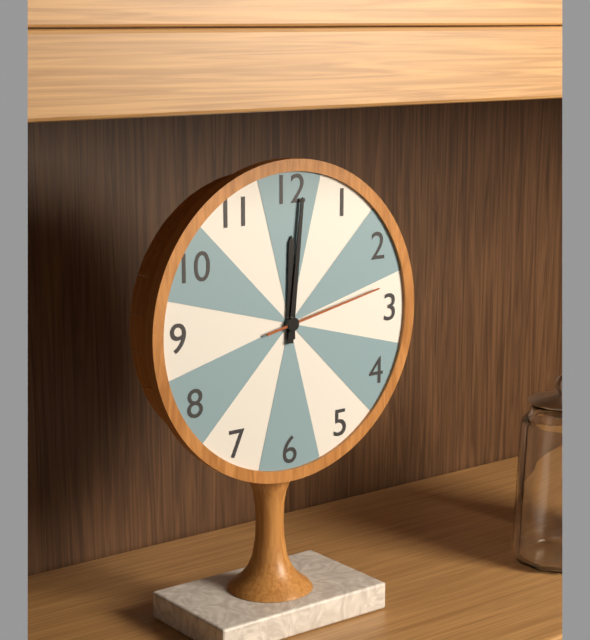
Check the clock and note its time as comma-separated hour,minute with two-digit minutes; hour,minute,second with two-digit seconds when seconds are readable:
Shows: 12,01,13
